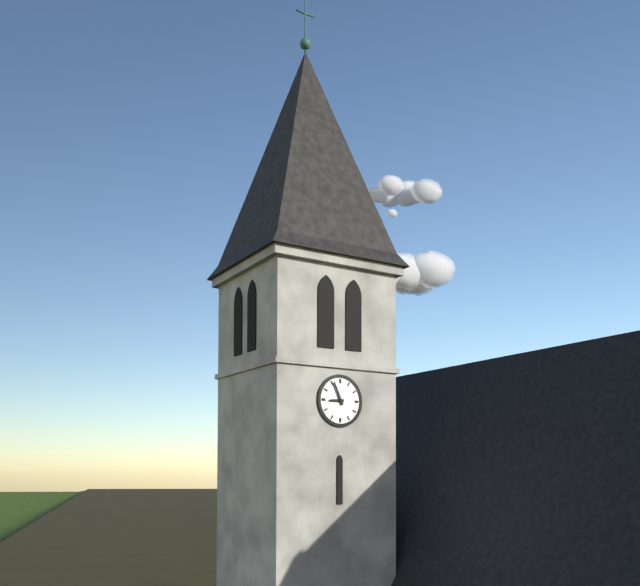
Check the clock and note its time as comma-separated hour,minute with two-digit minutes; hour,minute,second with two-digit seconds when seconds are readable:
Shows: 8,56
